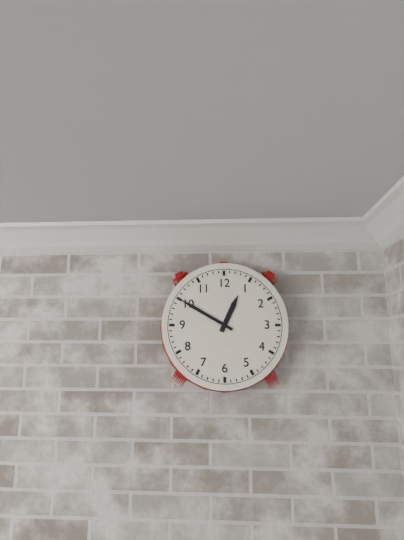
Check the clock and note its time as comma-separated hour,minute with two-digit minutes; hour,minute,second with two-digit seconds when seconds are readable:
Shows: 12,50
